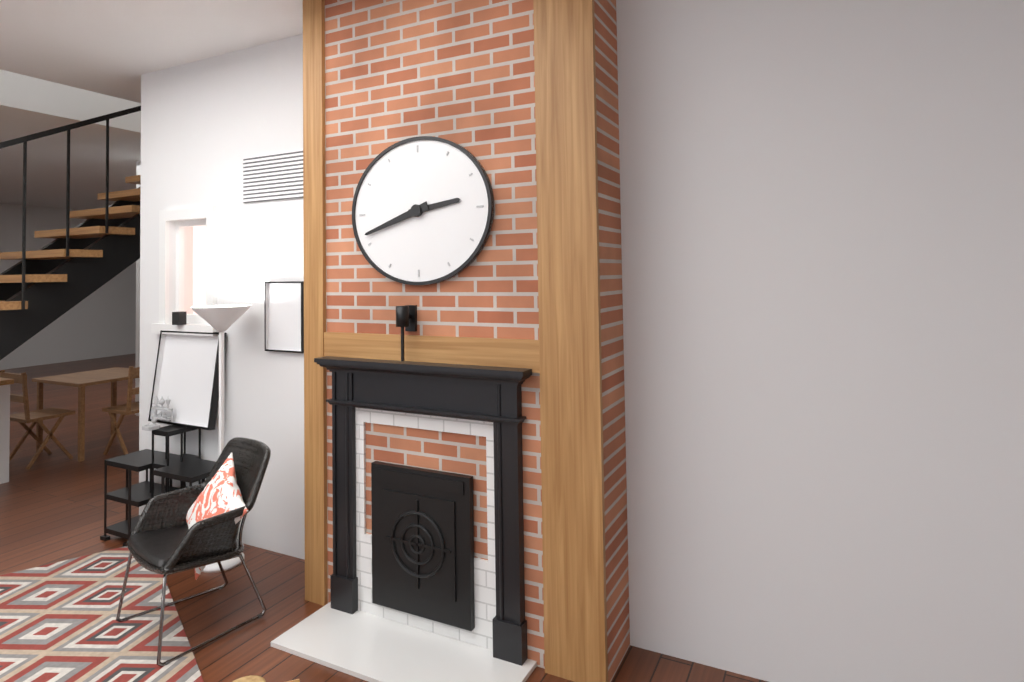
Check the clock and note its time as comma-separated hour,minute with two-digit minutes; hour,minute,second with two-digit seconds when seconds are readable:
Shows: 2,42
